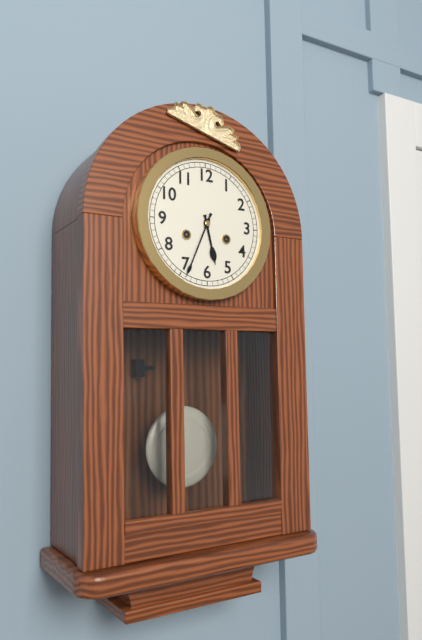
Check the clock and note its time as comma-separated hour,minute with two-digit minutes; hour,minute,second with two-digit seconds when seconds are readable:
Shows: 5,34
